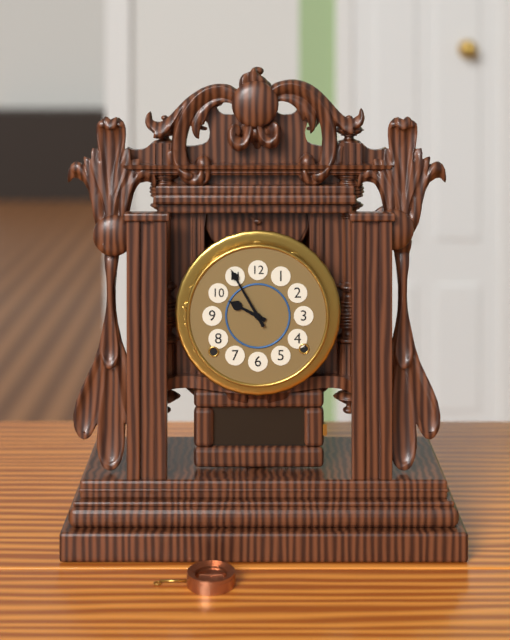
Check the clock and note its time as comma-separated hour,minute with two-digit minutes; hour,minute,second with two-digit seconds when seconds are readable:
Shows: 9,55
